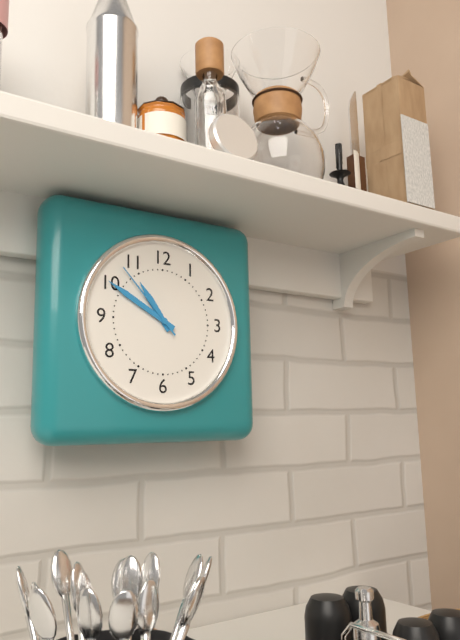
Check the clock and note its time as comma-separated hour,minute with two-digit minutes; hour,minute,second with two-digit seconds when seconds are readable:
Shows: 10,50,53
